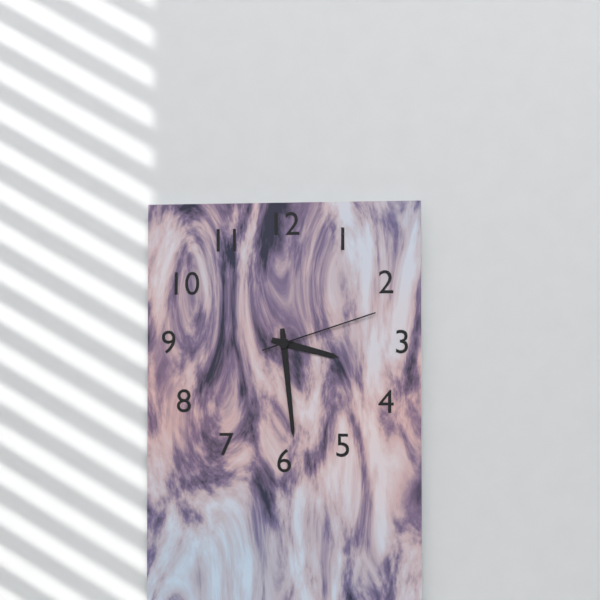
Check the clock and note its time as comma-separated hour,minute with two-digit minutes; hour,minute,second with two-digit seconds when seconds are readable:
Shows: 3,29,12
